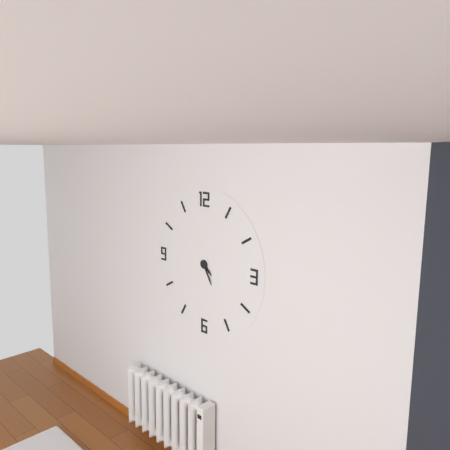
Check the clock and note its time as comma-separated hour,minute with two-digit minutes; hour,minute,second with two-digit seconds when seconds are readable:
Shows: 4,25
